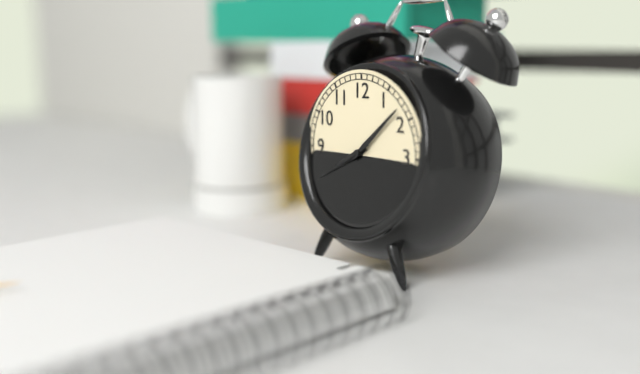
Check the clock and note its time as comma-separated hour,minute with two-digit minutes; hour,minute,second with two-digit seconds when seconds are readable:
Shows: 8,08,40
